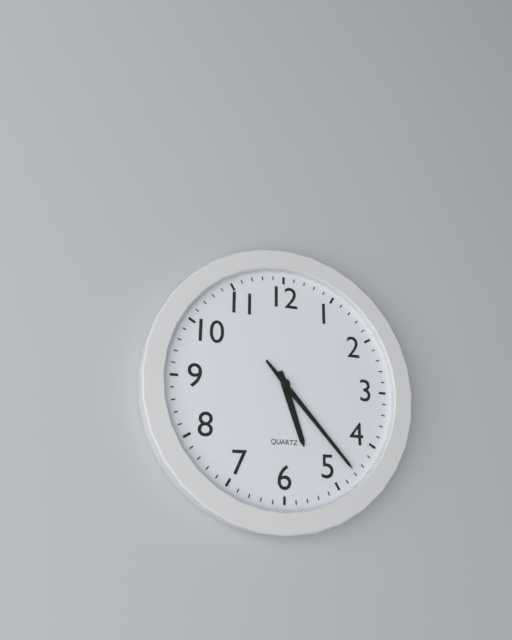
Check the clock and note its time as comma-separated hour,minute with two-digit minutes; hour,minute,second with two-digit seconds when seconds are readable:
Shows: 5,23
